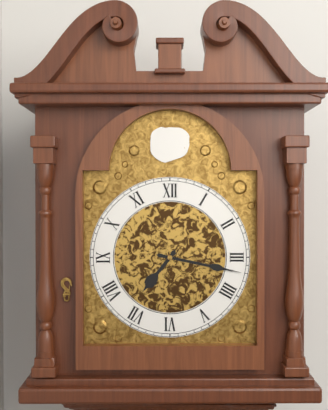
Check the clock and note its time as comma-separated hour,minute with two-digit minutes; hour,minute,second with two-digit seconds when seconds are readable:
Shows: 7,17
